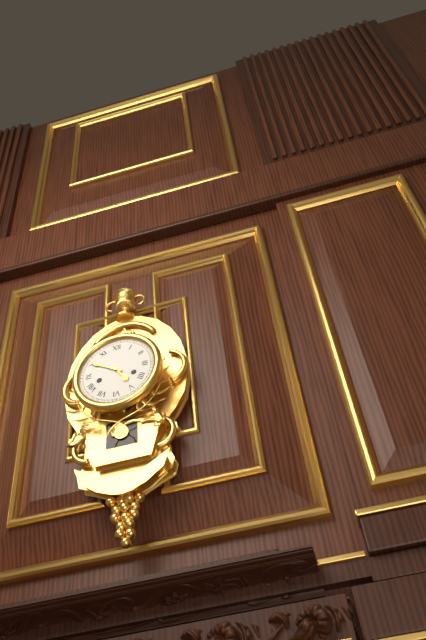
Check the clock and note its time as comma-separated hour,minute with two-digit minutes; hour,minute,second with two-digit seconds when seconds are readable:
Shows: 4,50
